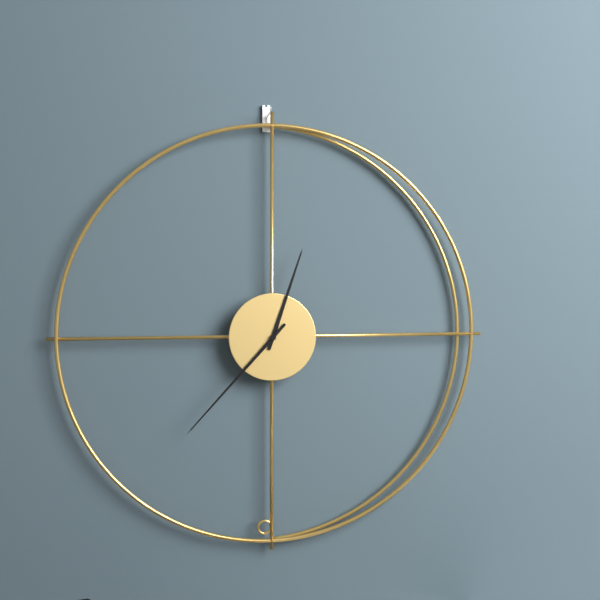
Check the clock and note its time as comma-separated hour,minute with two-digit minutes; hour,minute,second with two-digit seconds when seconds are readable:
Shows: 12,37
